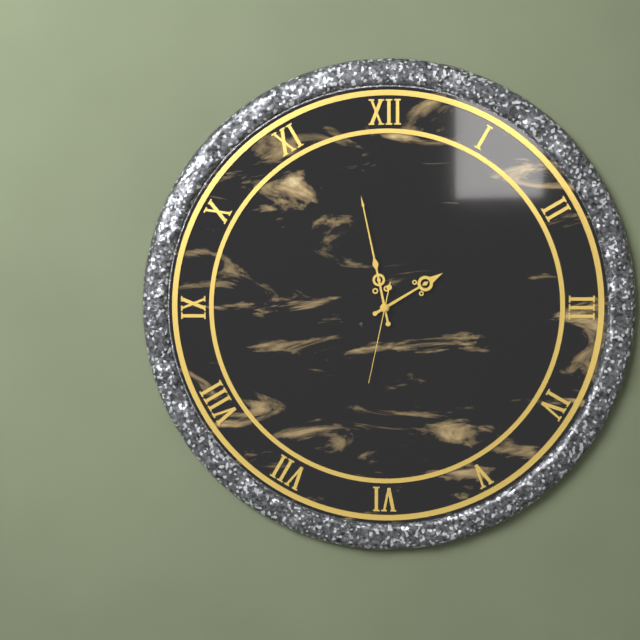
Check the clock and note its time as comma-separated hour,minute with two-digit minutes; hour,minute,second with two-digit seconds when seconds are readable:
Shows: 1,58,32
